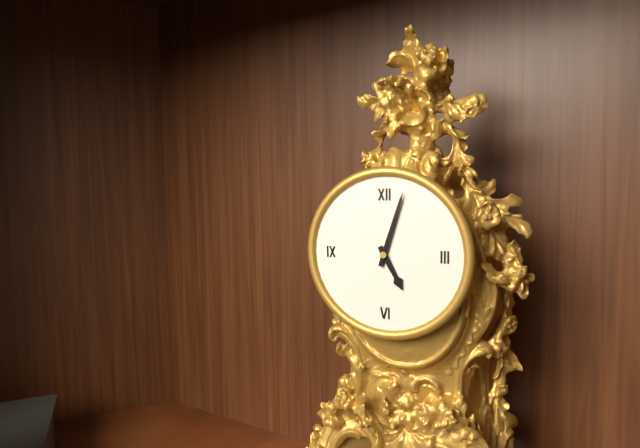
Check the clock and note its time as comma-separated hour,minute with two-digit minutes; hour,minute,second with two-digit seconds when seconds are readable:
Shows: 5,03
